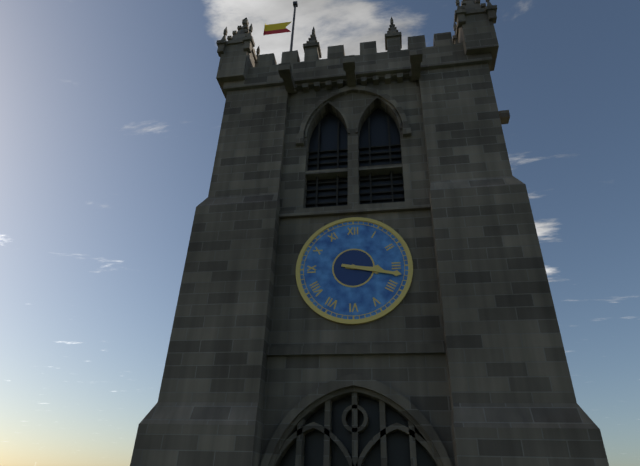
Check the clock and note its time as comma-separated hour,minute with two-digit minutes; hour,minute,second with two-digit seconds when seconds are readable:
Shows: 3,17
